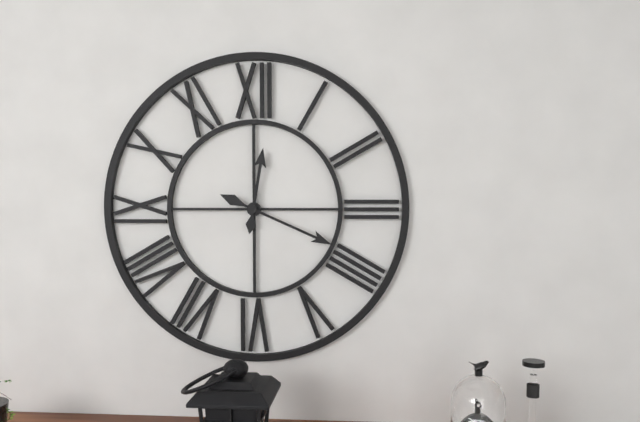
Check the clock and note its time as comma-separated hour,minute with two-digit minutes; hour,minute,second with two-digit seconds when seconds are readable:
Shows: 12,19
